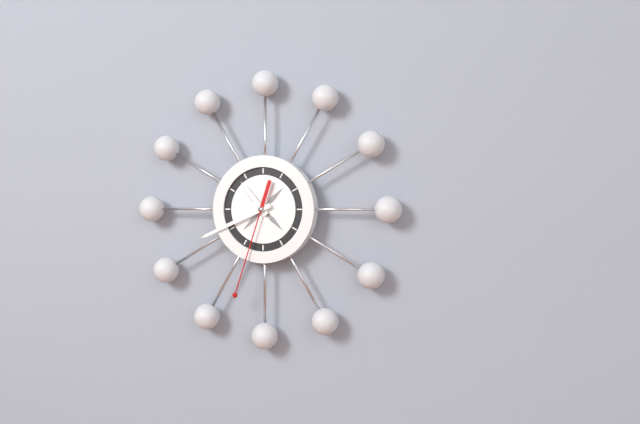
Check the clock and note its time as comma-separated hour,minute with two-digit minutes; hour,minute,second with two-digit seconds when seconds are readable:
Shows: 10,41,33
